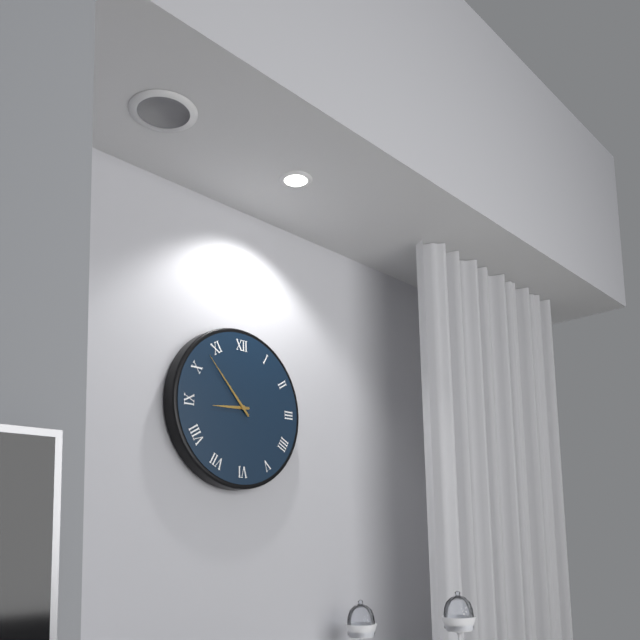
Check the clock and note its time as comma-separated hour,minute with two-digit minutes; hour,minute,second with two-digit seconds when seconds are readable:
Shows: 8,53
